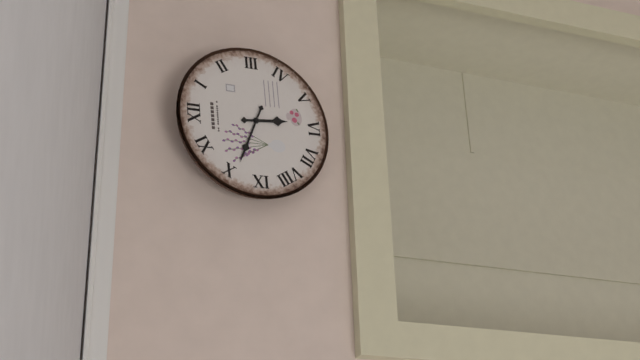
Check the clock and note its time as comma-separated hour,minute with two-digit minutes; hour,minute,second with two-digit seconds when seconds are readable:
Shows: 5,49
